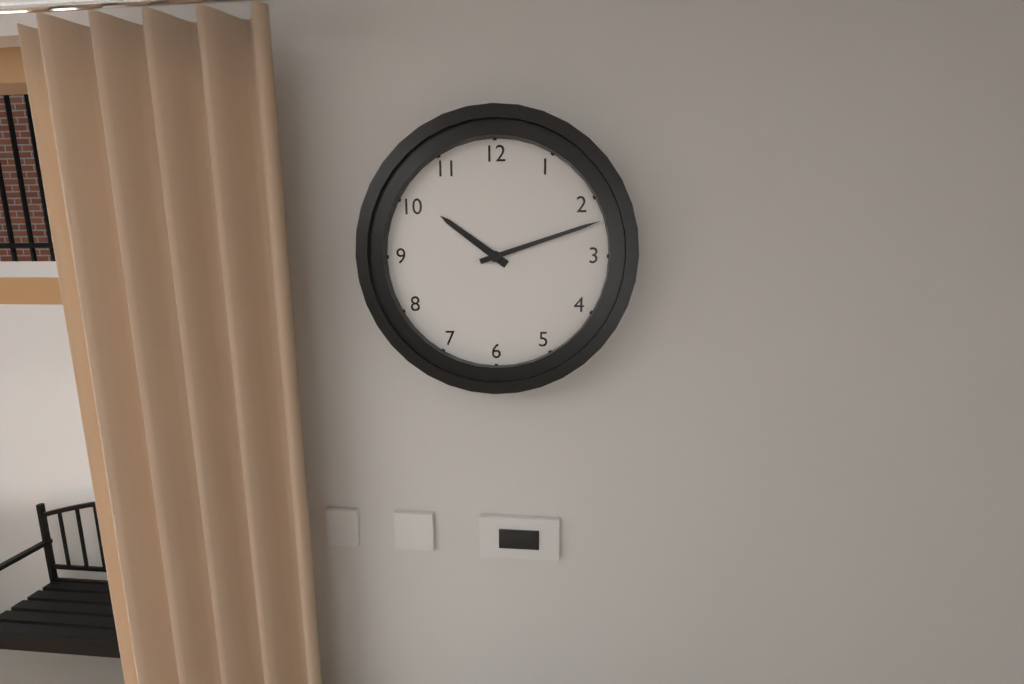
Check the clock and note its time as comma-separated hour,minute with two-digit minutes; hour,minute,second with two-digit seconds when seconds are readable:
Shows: 10,12
